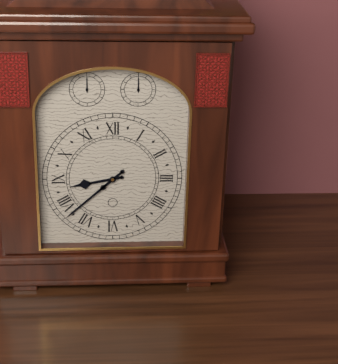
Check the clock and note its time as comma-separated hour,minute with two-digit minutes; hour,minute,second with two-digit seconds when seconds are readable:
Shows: 8,38
